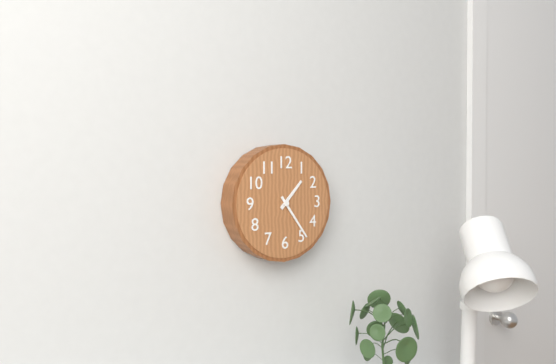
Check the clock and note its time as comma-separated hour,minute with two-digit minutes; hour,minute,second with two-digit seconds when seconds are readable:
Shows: 1,24
